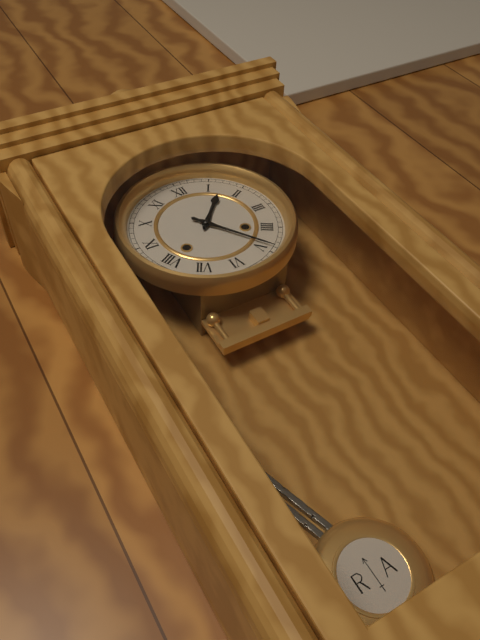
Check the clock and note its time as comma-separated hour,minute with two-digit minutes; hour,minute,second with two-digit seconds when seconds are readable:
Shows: 1,24
